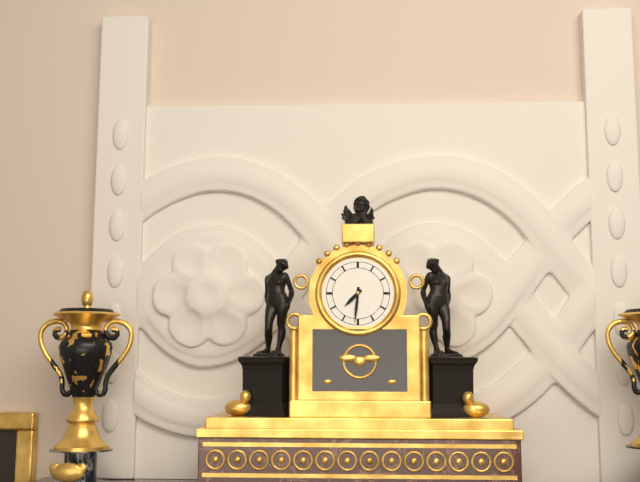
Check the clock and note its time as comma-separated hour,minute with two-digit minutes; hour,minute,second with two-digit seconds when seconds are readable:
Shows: 7,31
